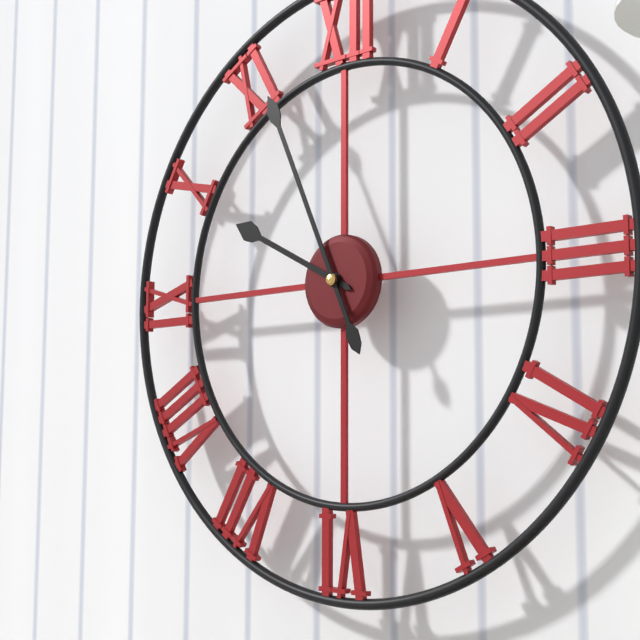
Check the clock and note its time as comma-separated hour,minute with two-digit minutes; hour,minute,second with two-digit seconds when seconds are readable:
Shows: 9,56
